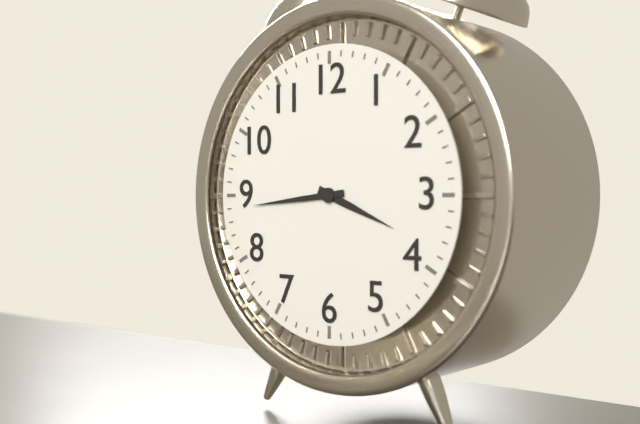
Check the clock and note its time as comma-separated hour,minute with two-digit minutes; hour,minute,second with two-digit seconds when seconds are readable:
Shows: 3,44
